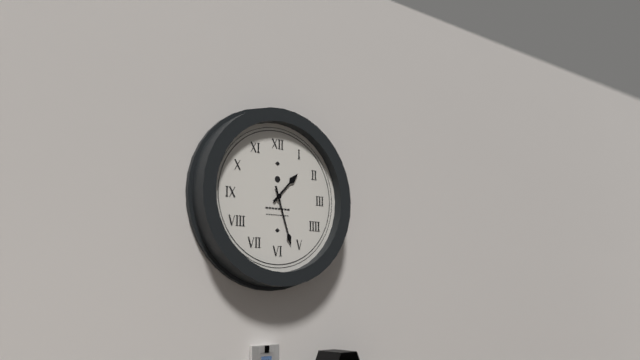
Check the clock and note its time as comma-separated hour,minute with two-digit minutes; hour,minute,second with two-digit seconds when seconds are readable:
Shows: 1,27
